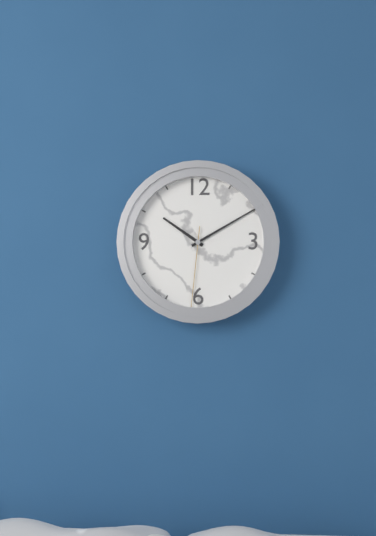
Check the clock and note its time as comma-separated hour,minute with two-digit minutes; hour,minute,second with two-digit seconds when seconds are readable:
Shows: 10,10,31
